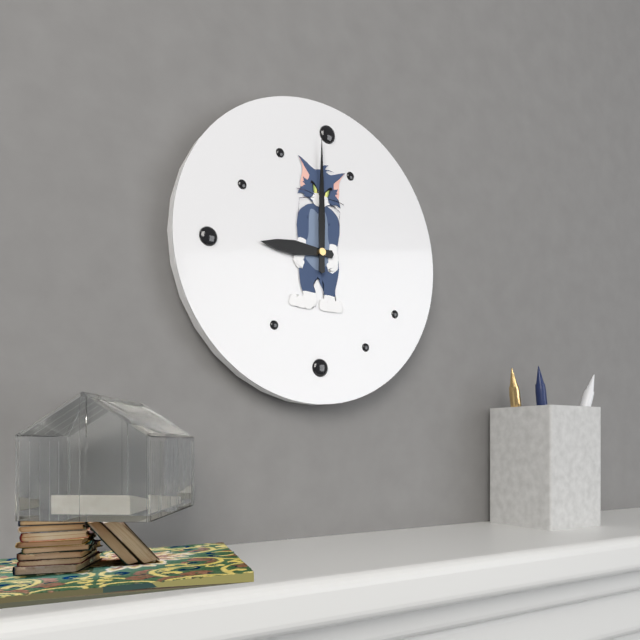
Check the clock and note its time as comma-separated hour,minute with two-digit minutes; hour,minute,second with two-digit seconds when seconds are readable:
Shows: 9,00
